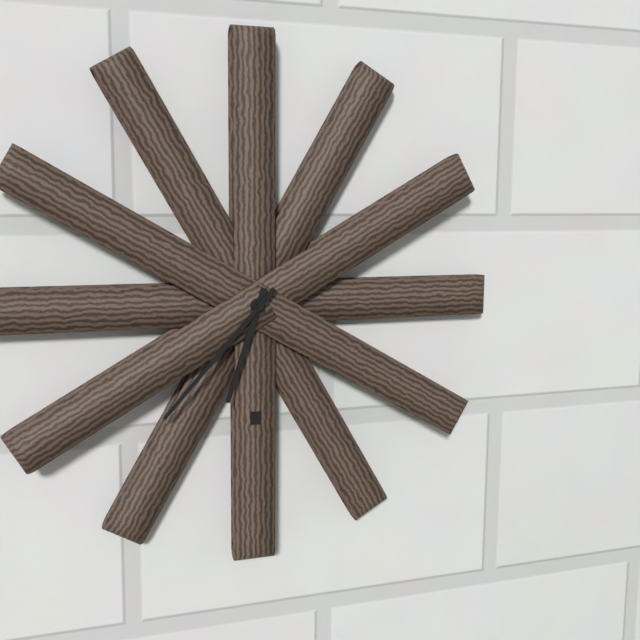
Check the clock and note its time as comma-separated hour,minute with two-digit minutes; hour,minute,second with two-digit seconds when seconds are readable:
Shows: 6,37
